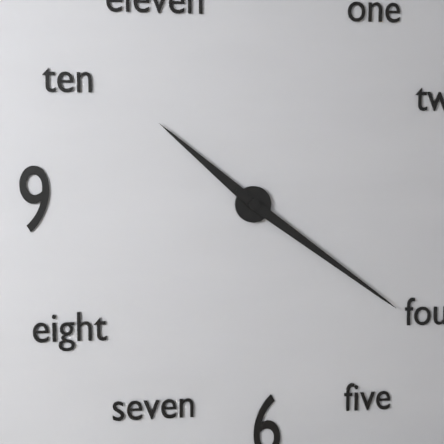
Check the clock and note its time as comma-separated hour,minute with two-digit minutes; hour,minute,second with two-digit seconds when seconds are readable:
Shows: 10,21
